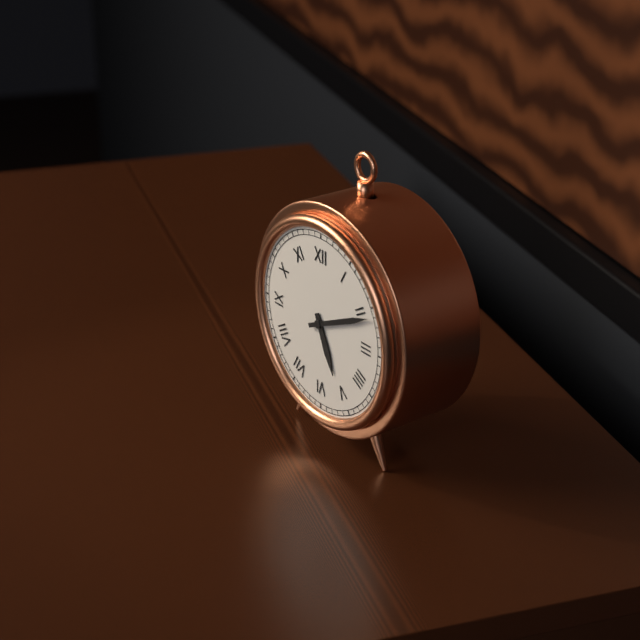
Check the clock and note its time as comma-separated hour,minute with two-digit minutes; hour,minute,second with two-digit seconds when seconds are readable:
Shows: 5,11
